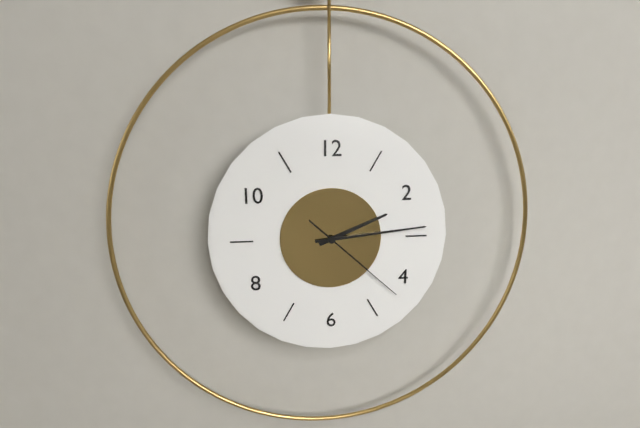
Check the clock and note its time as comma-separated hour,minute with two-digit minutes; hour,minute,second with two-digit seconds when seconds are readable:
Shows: 2,14,22
